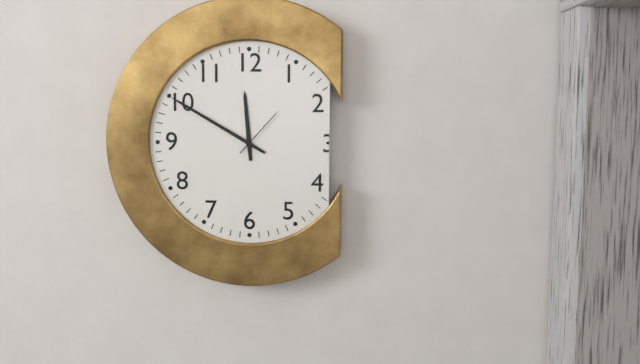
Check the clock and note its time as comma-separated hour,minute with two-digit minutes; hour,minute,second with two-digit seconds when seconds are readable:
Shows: 11,50,07
